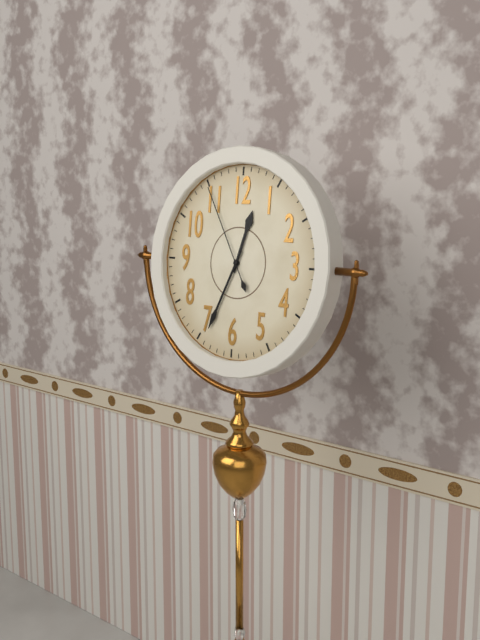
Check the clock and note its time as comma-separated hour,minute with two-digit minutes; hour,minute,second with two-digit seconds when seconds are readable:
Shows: 12,34,55
